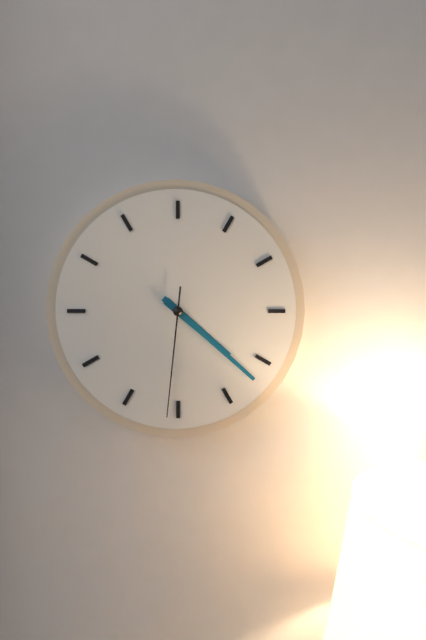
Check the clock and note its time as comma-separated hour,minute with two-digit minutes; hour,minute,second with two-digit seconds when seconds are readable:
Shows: 4,22,31
